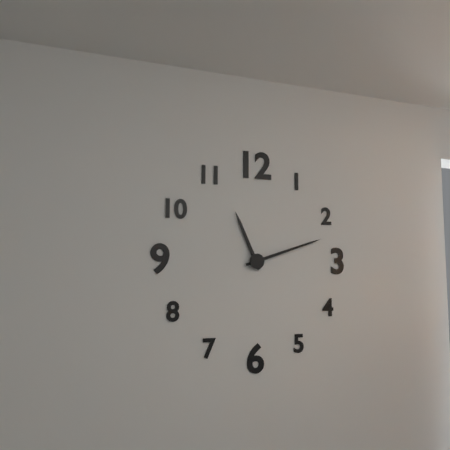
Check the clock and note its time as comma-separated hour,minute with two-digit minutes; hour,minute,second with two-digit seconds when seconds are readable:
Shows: 11,12
